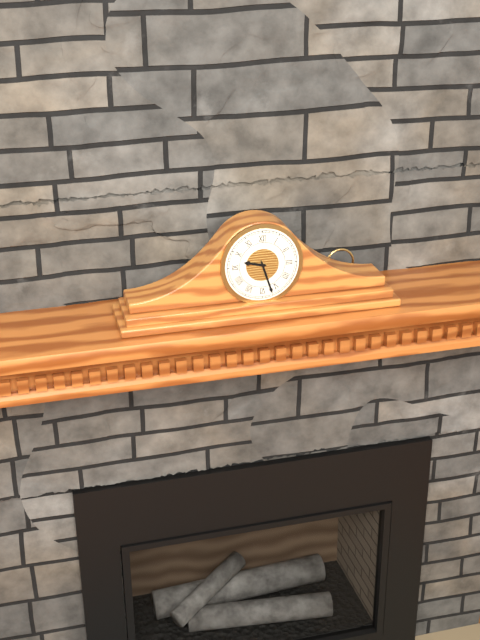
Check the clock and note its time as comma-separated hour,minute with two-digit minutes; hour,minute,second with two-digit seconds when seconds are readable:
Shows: 9,27
